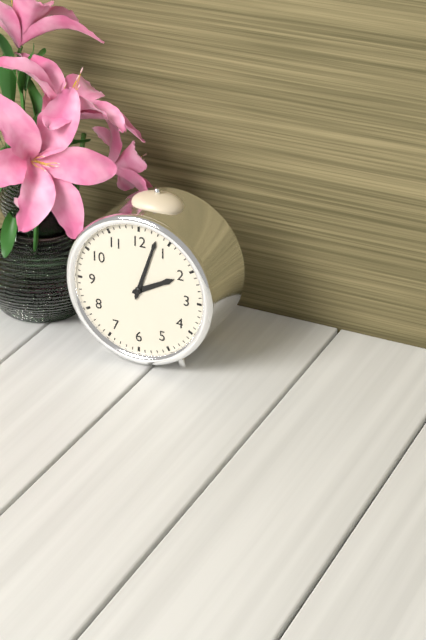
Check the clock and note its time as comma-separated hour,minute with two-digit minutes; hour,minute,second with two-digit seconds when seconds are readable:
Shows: 2,03
